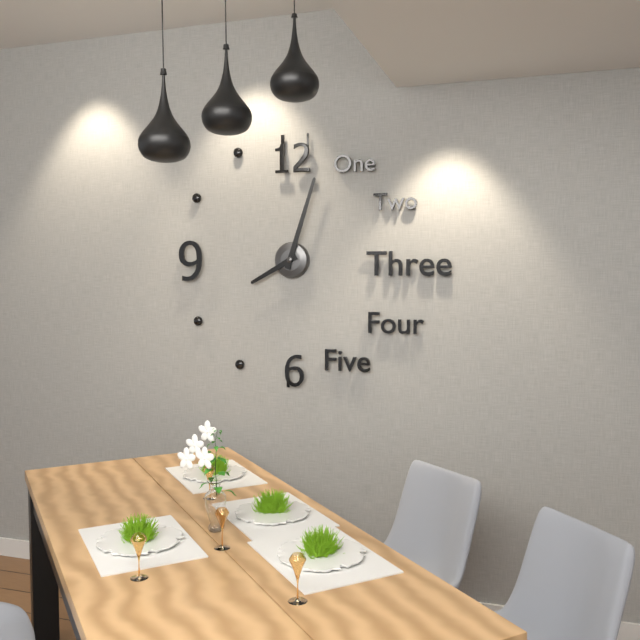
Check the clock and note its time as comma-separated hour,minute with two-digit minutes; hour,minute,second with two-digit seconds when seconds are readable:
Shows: 8,03
